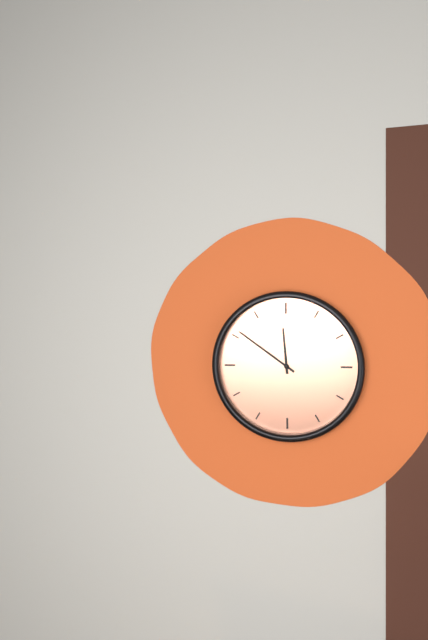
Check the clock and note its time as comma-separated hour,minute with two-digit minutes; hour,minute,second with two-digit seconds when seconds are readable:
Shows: 11,51
